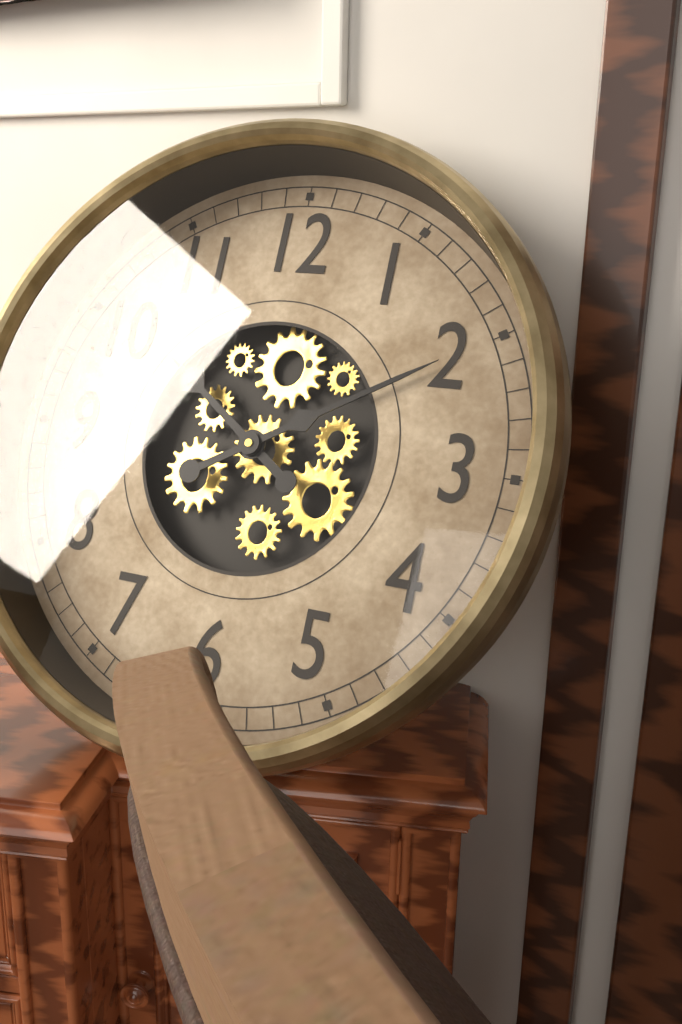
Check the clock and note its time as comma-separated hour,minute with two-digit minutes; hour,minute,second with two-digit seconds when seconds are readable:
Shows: 10,10
